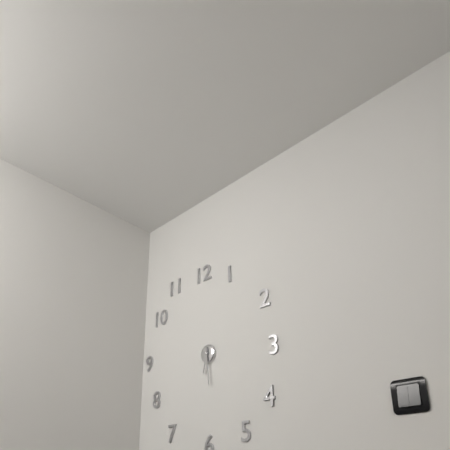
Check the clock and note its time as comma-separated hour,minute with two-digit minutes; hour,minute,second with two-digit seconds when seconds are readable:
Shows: 6,29
